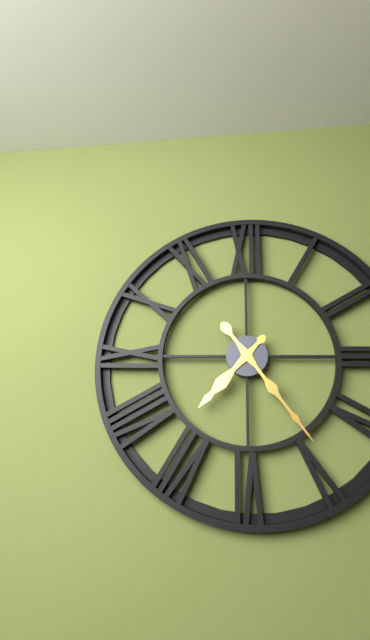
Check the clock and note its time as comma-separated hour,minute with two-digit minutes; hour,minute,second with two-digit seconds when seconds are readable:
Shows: 7,24
